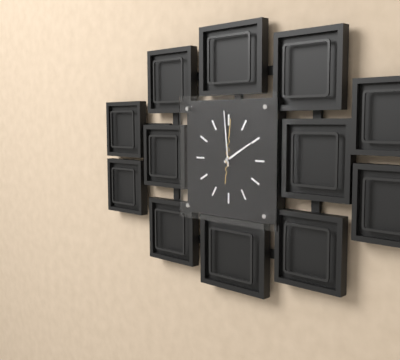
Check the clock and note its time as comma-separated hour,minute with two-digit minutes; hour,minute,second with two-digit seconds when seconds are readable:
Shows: 1,59,01
